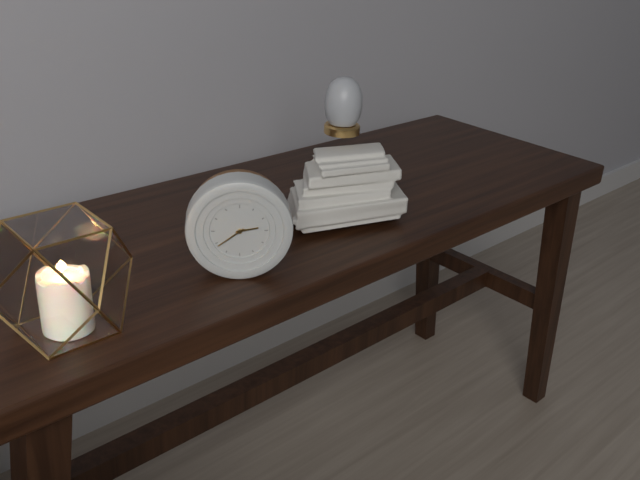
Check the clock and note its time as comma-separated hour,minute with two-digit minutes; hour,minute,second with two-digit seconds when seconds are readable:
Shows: 2,39
